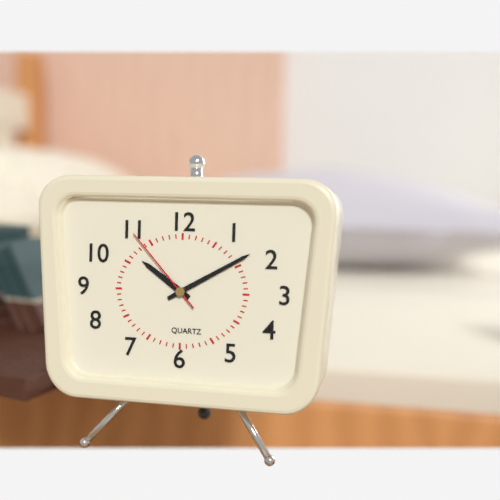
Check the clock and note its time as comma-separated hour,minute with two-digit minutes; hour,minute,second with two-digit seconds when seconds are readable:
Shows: 10,10,53
